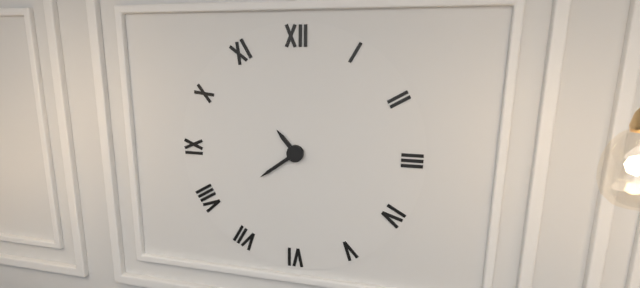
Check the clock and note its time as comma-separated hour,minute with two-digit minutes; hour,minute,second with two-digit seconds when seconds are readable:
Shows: 10,39
